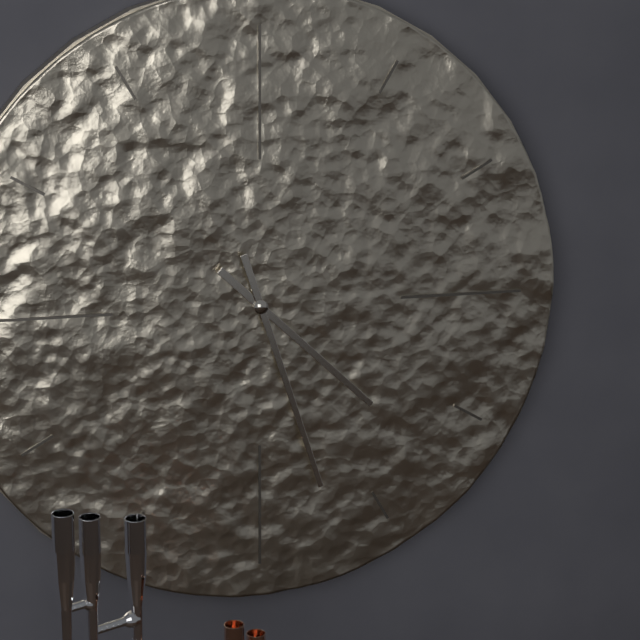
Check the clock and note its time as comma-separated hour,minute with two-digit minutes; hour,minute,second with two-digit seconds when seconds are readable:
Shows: 4,27
